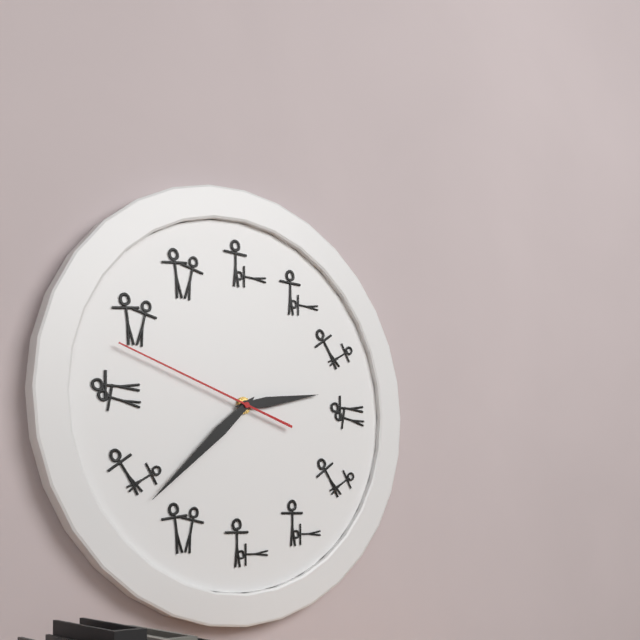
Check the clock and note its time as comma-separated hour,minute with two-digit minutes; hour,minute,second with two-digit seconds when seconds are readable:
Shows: 2,38,48
